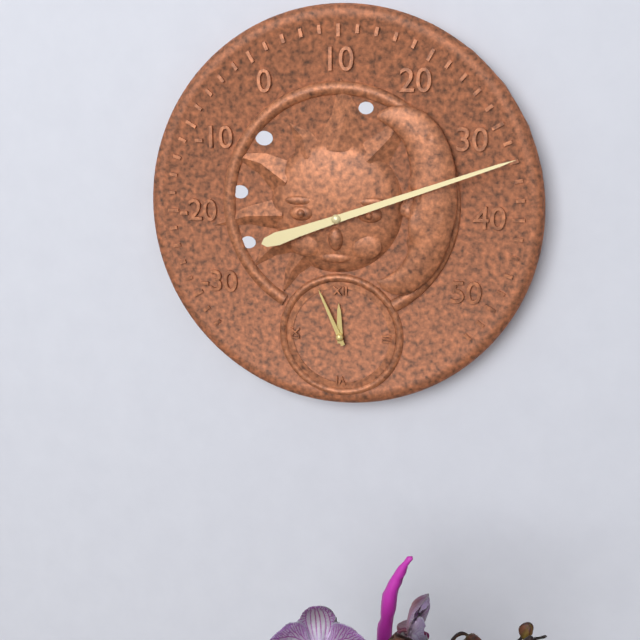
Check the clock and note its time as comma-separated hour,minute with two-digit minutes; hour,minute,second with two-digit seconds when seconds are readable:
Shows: 11,56
